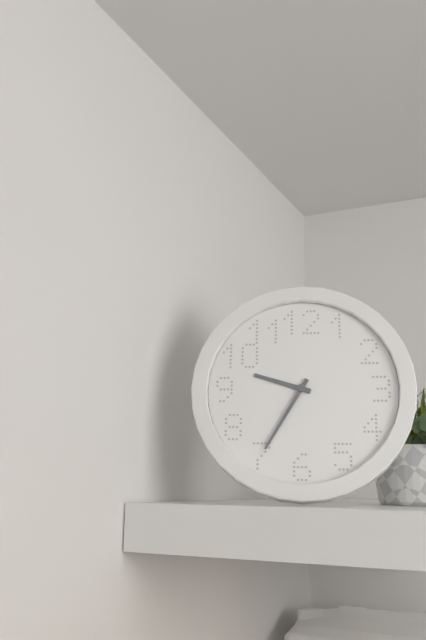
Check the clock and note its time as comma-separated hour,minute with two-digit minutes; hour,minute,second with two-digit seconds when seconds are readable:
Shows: 9,35
